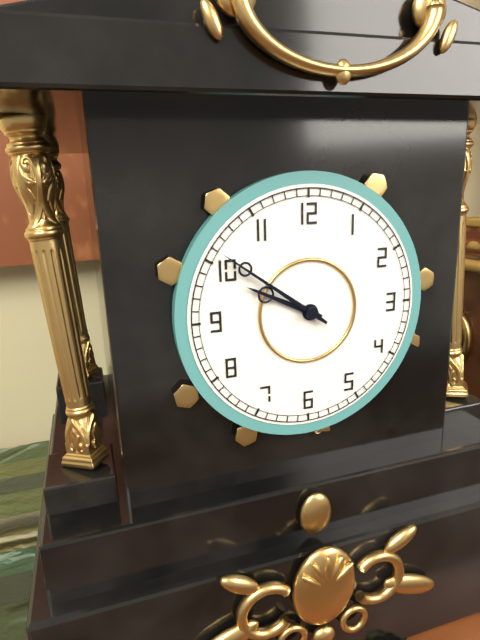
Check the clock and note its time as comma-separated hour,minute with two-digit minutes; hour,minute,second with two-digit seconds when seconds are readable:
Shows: 9,51
